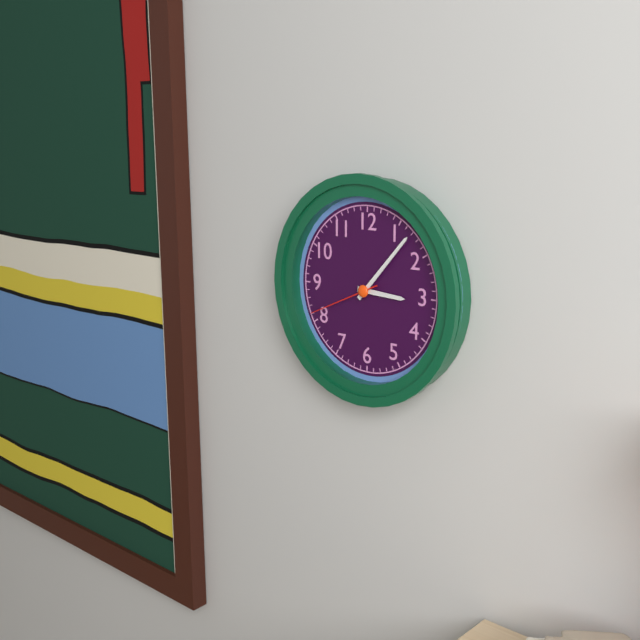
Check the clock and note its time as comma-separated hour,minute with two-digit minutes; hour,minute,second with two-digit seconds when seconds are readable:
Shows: 3,07,41
